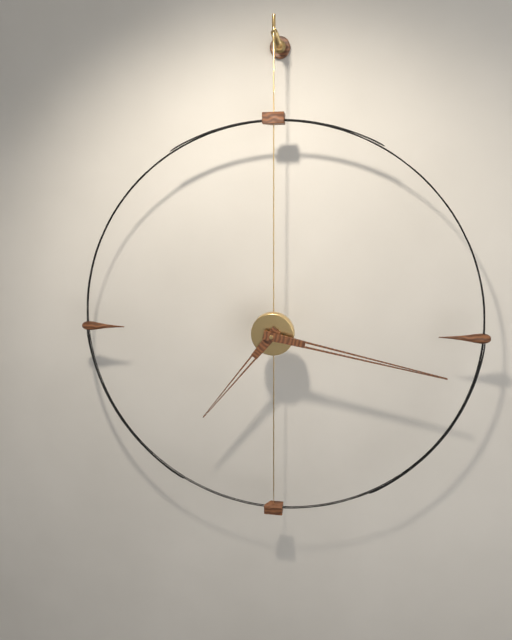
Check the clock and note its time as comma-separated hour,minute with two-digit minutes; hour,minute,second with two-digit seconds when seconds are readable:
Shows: 7,17
